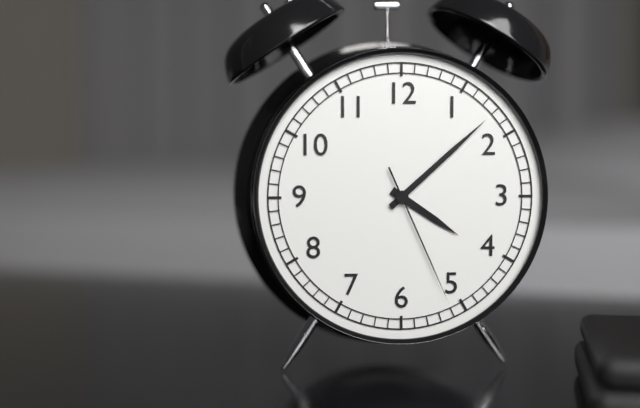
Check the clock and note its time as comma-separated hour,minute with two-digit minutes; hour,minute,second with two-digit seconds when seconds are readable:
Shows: 4,08,26
